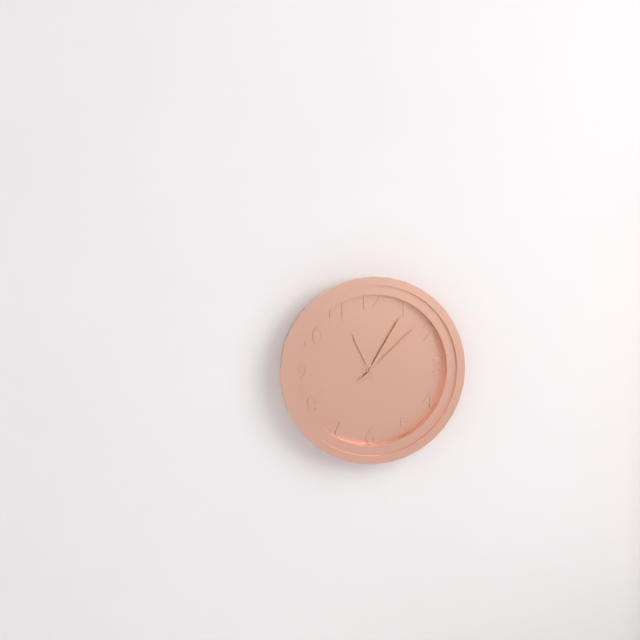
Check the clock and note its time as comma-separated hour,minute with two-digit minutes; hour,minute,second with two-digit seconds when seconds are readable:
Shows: 11,05,08
